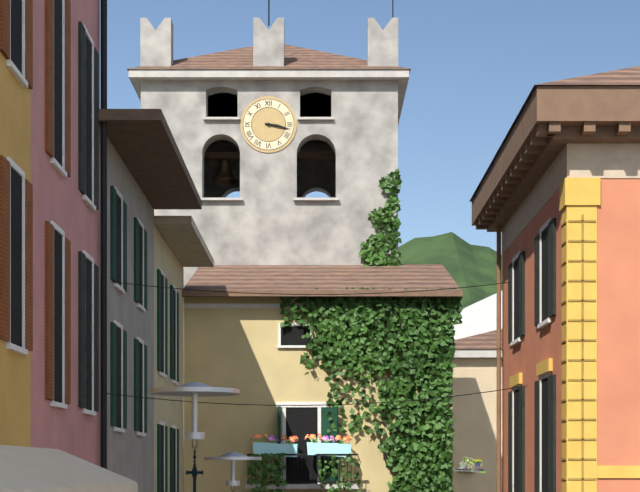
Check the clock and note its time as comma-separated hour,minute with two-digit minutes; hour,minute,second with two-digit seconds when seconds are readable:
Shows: 3,17
